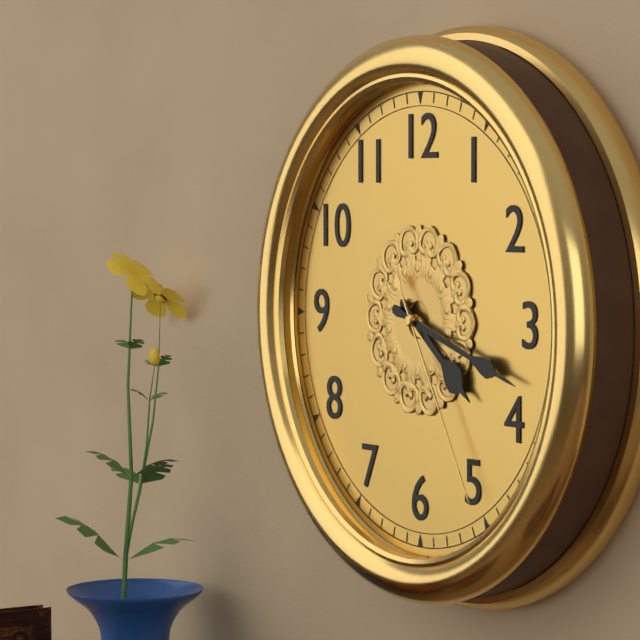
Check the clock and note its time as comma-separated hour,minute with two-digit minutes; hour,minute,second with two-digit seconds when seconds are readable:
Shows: 4,18,25
